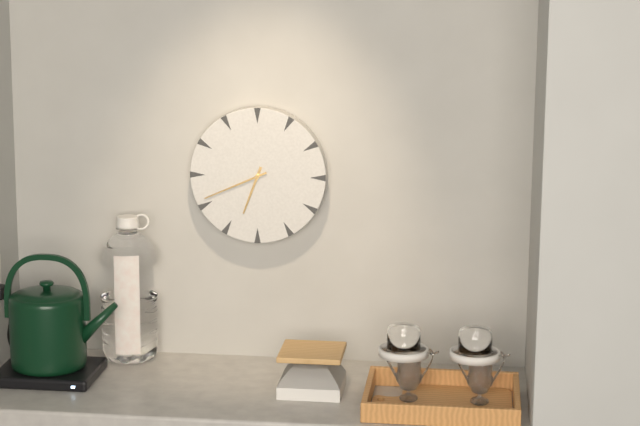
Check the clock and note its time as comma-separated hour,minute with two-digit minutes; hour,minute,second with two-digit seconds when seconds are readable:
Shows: 6,41
